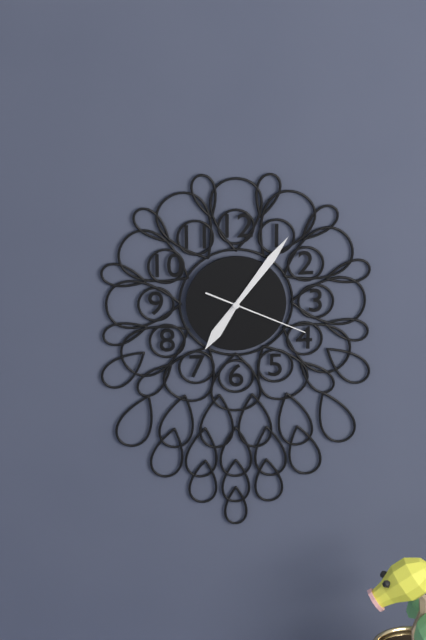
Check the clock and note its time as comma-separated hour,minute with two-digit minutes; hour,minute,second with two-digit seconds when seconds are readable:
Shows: 7,06,19
